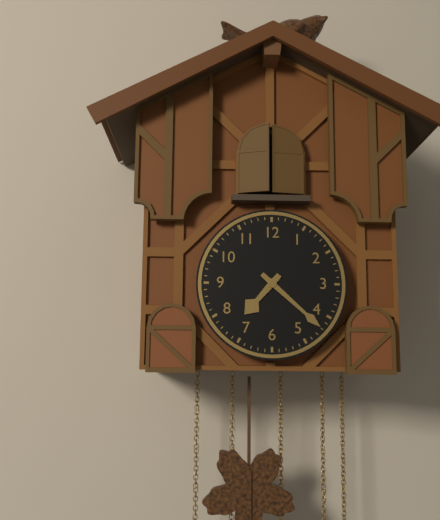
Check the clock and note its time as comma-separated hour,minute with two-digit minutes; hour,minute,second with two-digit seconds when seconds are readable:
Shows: 7,22
